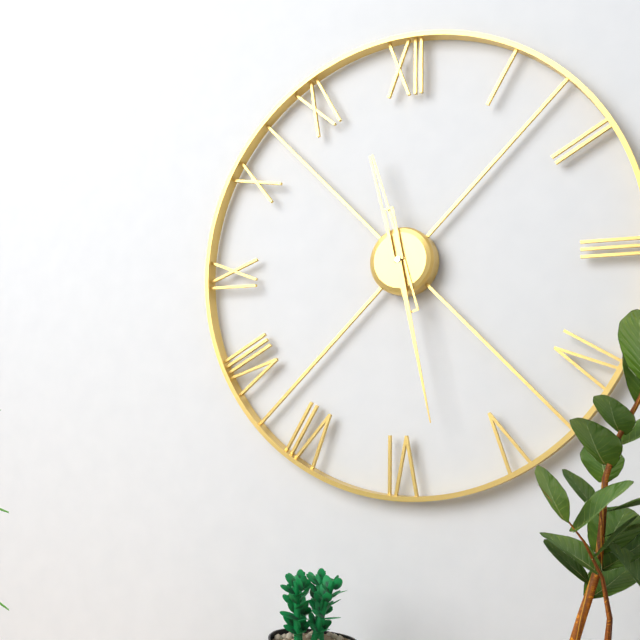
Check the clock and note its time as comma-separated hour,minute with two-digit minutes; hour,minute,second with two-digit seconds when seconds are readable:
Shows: 11,28
